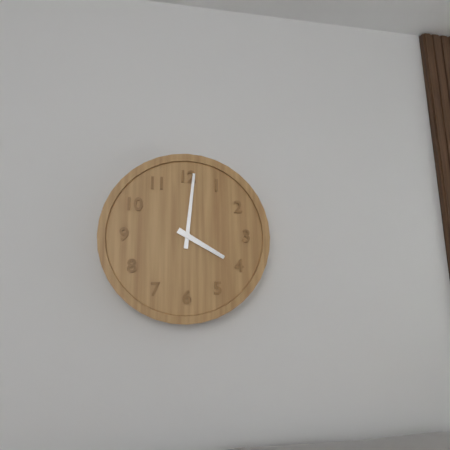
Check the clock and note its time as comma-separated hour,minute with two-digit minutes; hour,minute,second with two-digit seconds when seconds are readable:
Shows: 4,01
